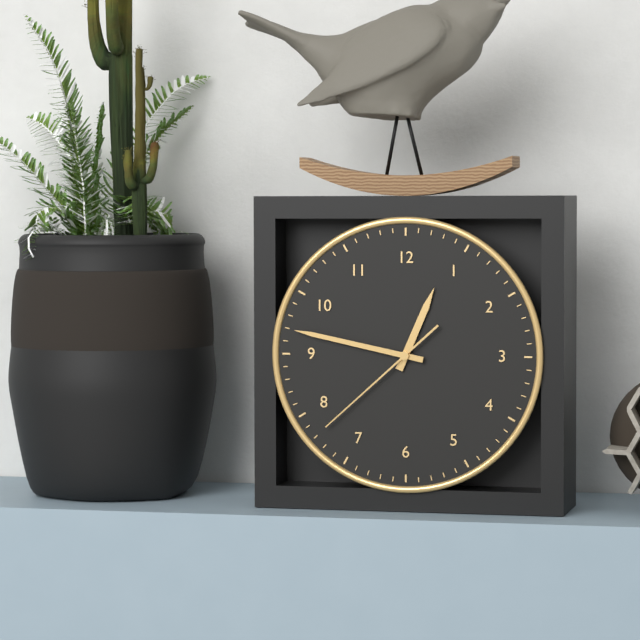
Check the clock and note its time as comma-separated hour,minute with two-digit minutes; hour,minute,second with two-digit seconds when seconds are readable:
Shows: 12,47,38
